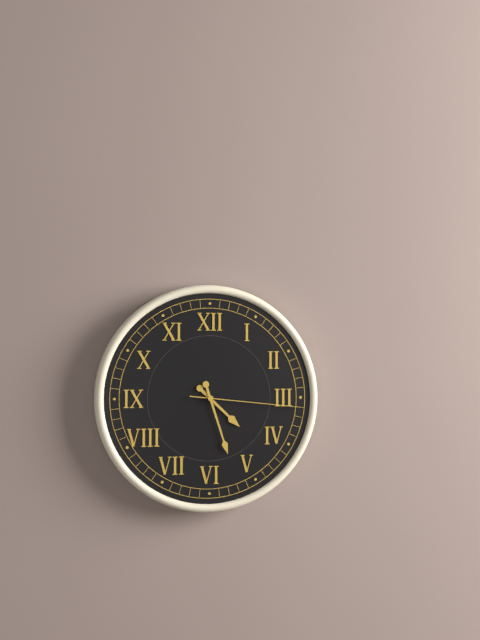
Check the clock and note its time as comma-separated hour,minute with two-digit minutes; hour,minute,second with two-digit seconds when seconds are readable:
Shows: 4,27,16
